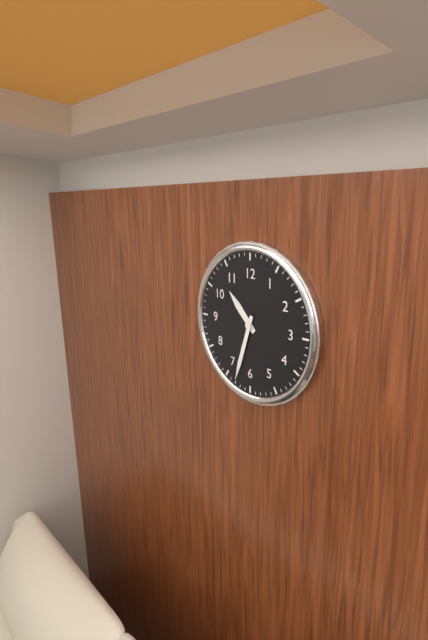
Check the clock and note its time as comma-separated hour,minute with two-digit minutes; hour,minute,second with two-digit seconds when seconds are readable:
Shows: 10,33
